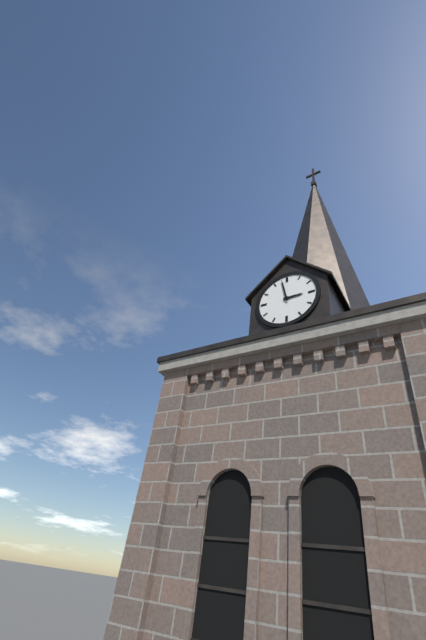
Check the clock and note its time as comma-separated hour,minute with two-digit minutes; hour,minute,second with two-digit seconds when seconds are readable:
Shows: 2,58
